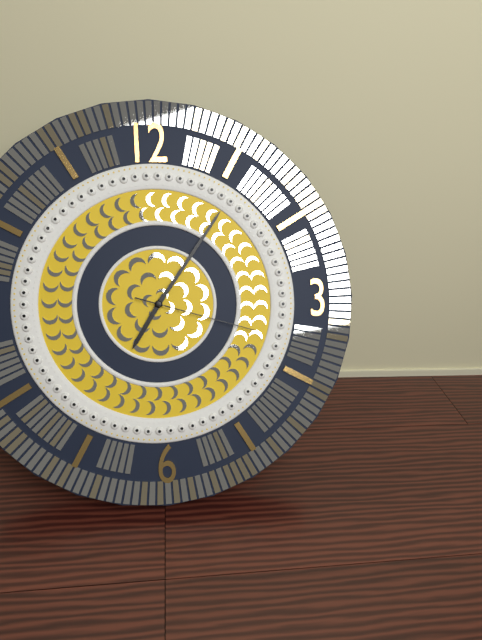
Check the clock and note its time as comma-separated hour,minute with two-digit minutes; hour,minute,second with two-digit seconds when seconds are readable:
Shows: 7,06,18
